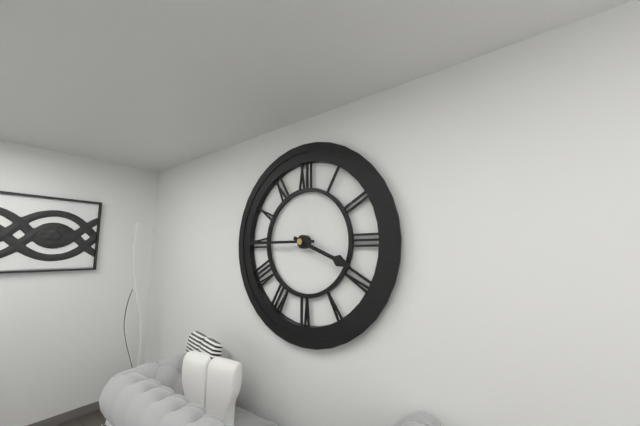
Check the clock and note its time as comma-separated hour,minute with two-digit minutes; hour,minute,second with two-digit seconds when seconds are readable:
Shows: 3,45
